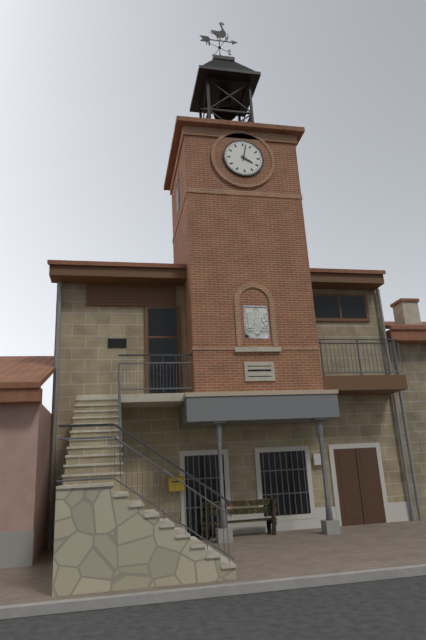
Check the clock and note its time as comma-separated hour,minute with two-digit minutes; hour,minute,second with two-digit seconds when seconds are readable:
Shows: 4,02
